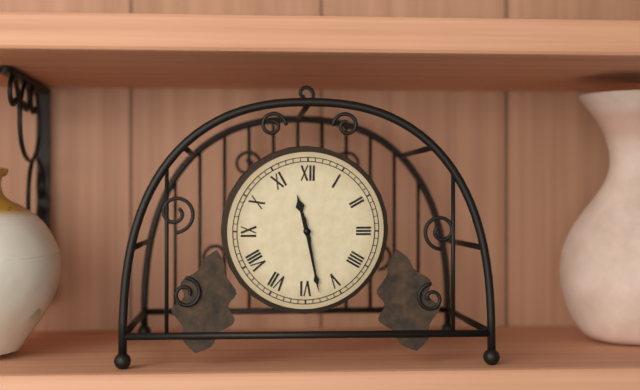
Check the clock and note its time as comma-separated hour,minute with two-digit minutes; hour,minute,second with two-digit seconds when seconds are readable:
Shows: 11,28
